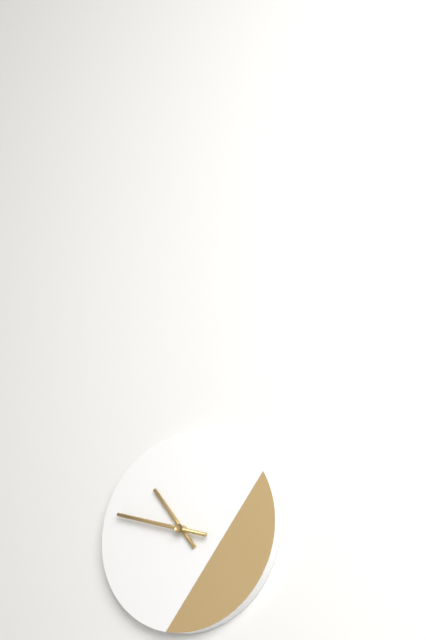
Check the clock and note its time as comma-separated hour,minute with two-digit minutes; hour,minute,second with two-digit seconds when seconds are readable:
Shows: 10,48
